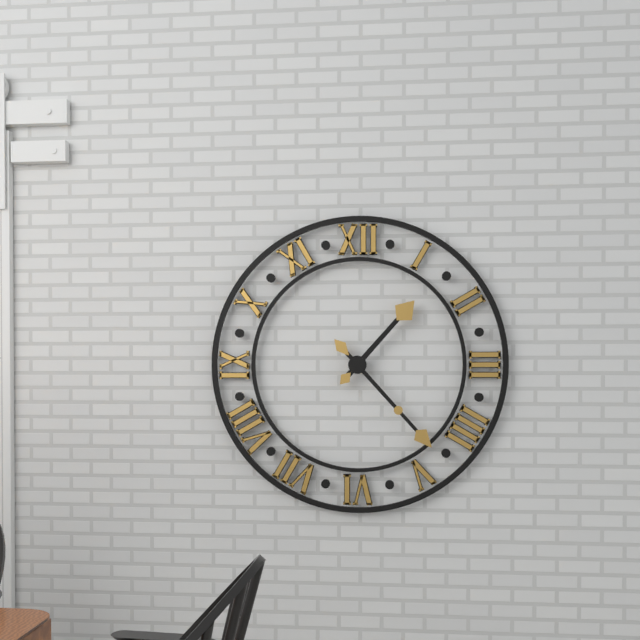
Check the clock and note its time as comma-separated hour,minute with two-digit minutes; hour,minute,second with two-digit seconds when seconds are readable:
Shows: 1,23
